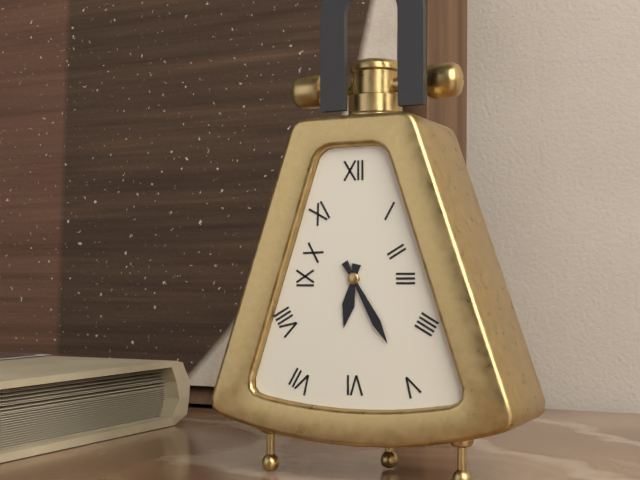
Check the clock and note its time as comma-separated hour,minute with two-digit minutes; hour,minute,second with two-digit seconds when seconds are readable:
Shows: 6,25
